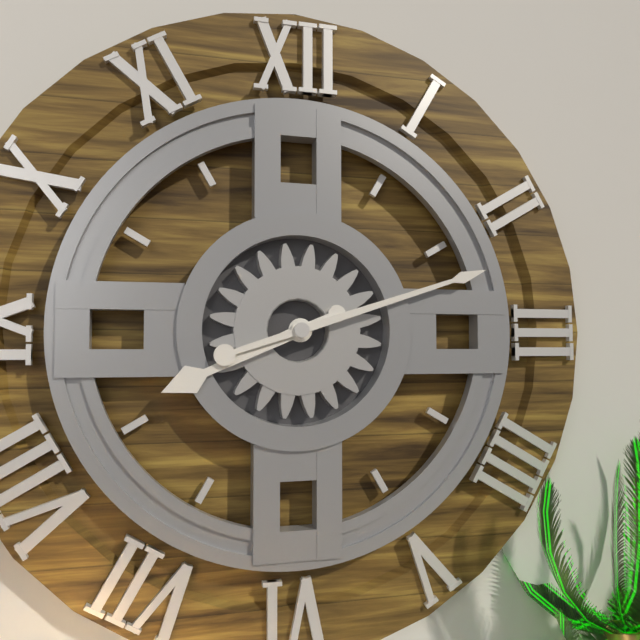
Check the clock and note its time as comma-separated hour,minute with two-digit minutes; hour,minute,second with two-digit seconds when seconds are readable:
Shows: 8,12
